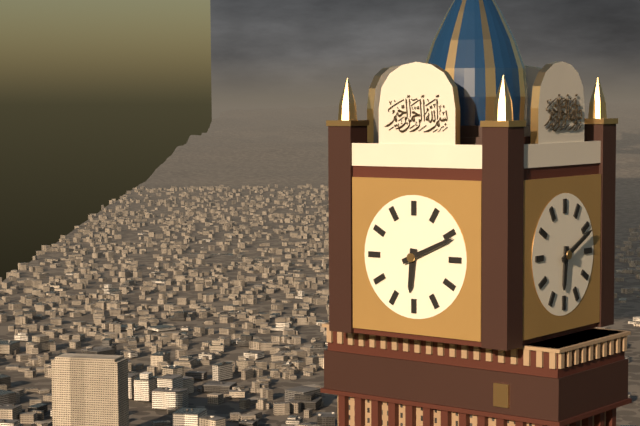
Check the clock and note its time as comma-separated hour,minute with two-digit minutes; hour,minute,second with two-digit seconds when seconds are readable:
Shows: 6,11
